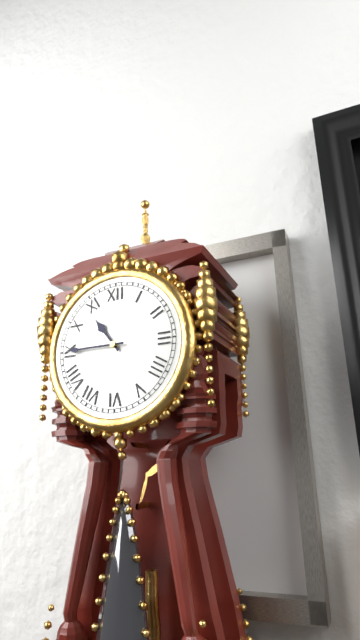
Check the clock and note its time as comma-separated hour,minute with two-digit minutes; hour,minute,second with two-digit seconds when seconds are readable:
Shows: 10,45
